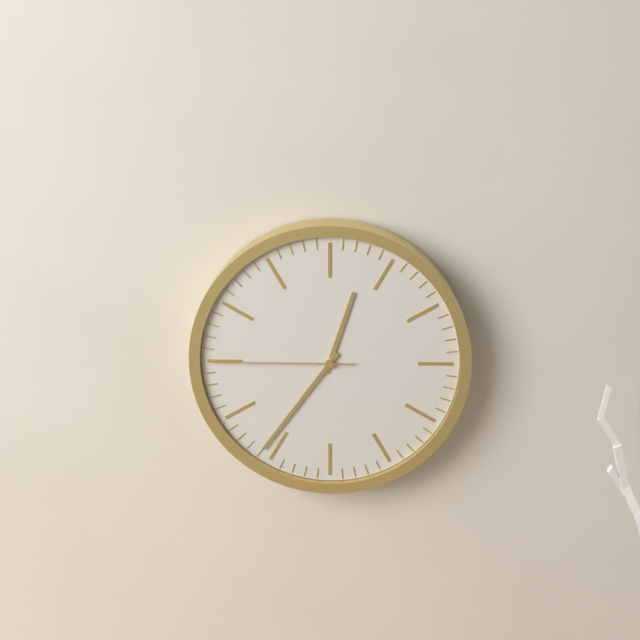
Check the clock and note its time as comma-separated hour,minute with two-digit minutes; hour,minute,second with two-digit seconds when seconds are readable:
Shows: 12,36,45
